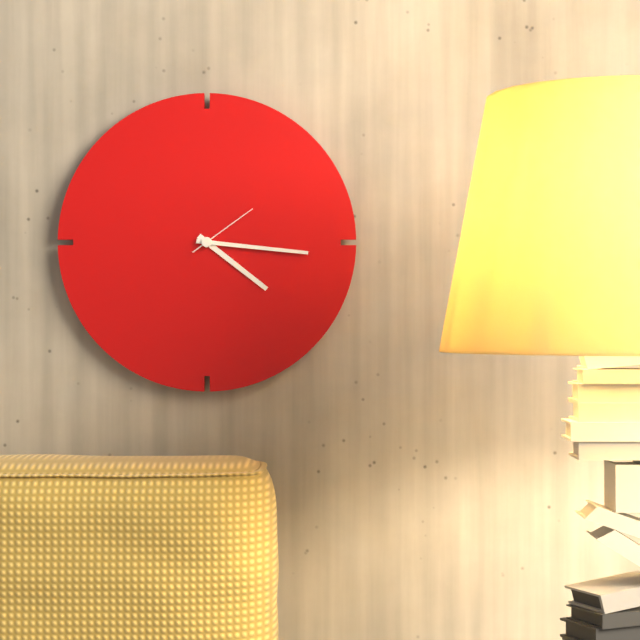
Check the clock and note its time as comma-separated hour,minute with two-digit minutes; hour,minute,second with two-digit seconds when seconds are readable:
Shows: 4,16,09
